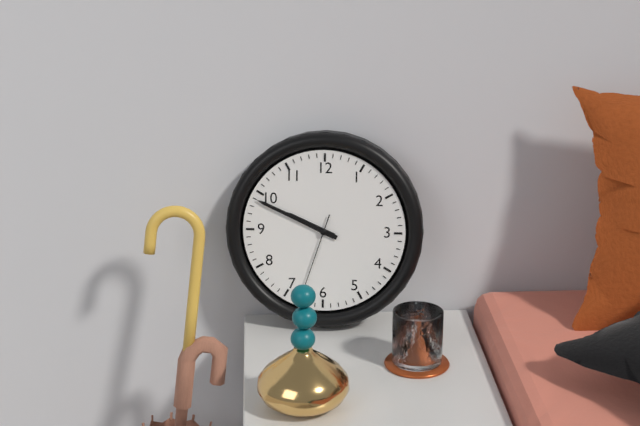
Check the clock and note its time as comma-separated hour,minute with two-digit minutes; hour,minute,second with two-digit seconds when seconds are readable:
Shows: 9,49,33
